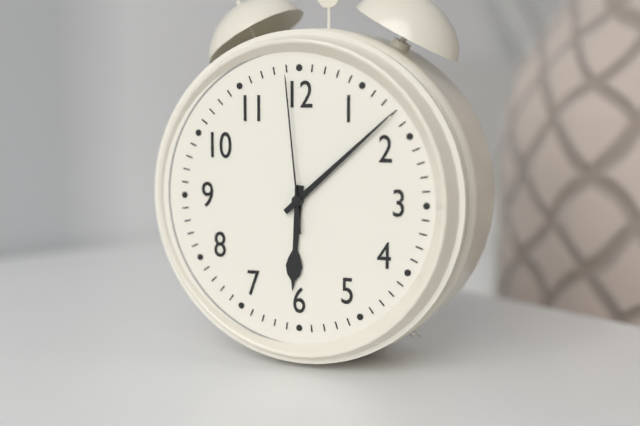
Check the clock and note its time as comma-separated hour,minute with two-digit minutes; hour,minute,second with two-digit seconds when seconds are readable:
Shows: 6,08,59
